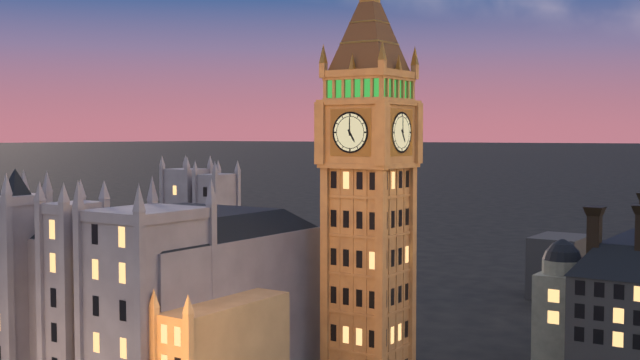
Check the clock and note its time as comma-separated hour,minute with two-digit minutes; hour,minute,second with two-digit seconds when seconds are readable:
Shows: 5,00
